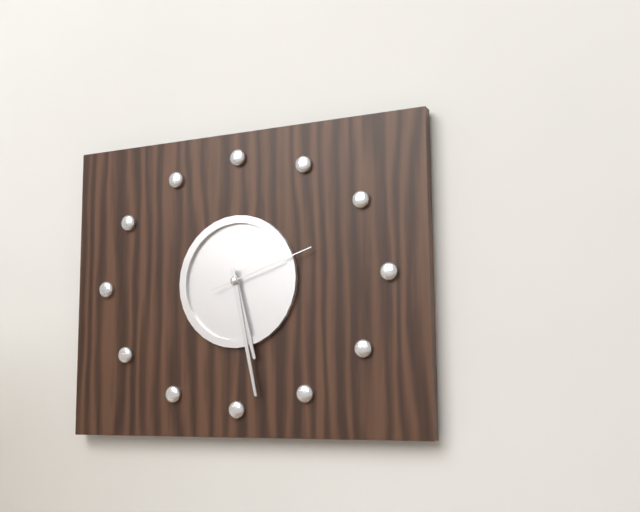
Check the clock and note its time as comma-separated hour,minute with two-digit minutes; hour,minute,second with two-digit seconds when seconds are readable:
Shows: 5,28,12
